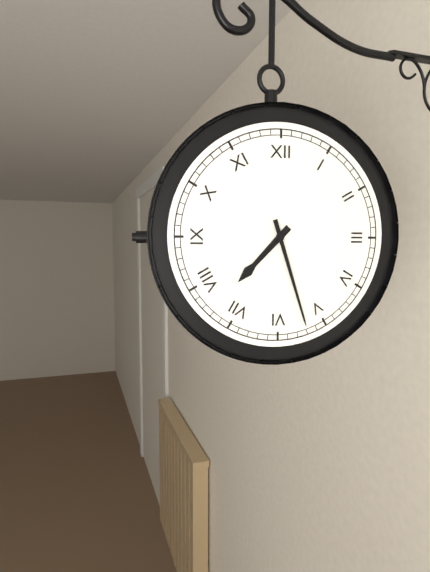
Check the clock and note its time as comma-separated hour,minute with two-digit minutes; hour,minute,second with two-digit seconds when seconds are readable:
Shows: 7,27
